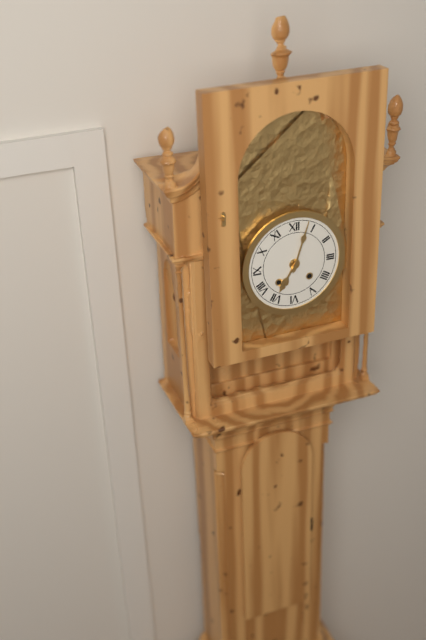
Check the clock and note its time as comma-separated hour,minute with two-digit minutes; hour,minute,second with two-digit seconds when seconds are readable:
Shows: 7,03
